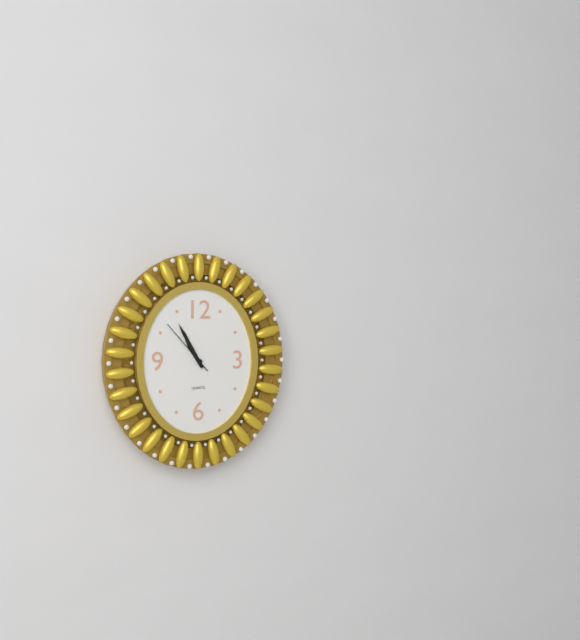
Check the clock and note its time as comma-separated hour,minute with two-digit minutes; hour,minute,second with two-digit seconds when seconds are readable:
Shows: 10,55,53
